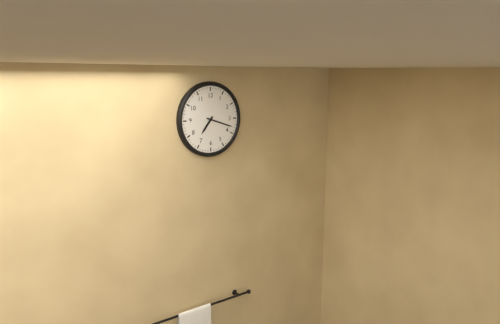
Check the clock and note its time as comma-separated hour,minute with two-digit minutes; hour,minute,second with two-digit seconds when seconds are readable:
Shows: 7,18
